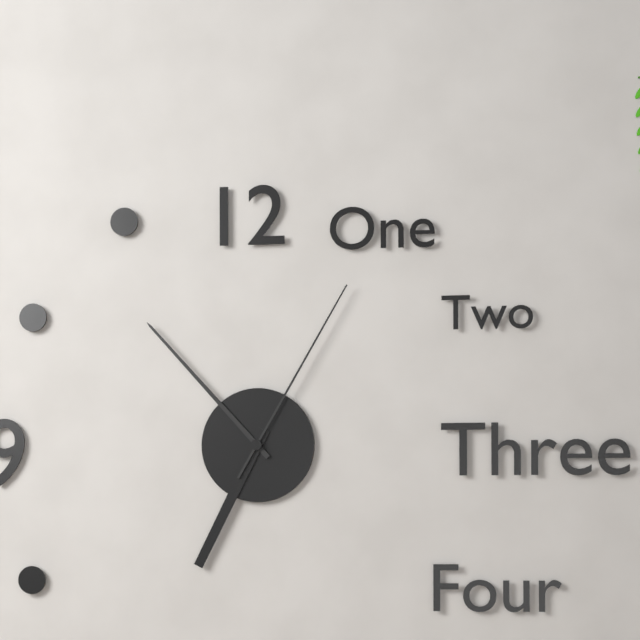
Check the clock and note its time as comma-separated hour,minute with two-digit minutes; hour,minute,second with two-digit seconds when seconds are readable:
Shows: 6,53,05
